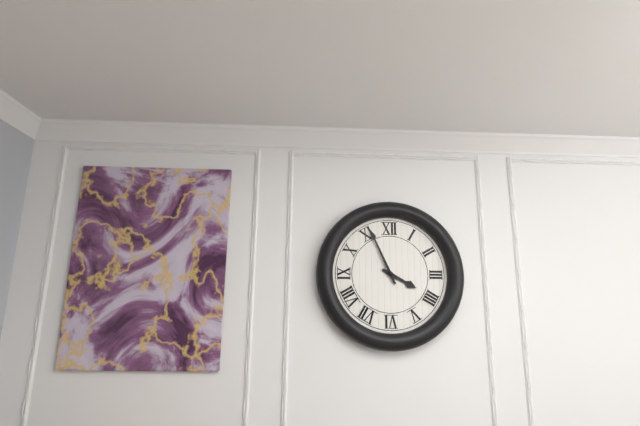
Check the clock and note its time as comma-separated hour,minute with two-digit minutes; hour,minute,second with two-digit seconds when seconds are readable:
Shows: 3,56
